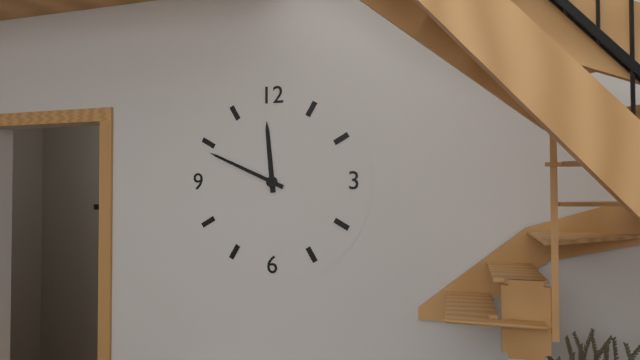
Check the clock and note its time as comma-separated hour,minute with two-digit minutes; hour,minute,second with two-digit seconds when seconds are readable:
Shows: 11,49
